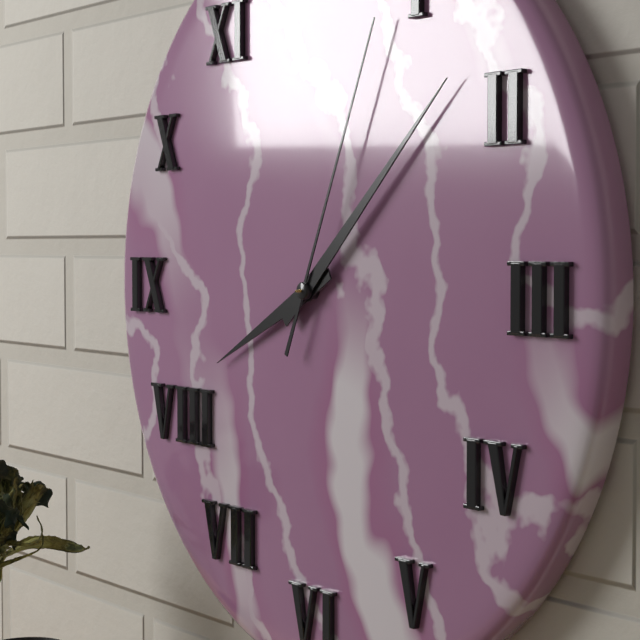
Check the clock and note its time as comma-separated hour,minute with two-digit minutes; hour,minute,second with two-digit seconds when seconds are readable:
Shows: 8,08,04
